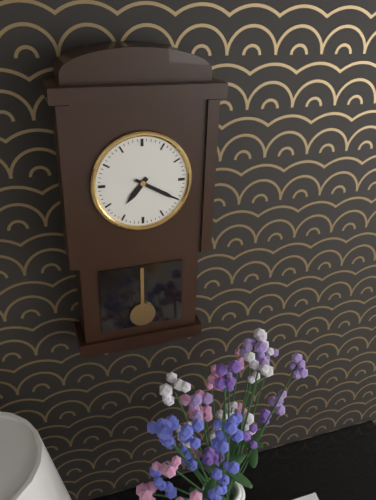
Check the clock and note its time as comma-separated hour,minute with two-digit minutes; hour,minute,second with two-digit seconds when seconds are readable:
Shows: 7,20
